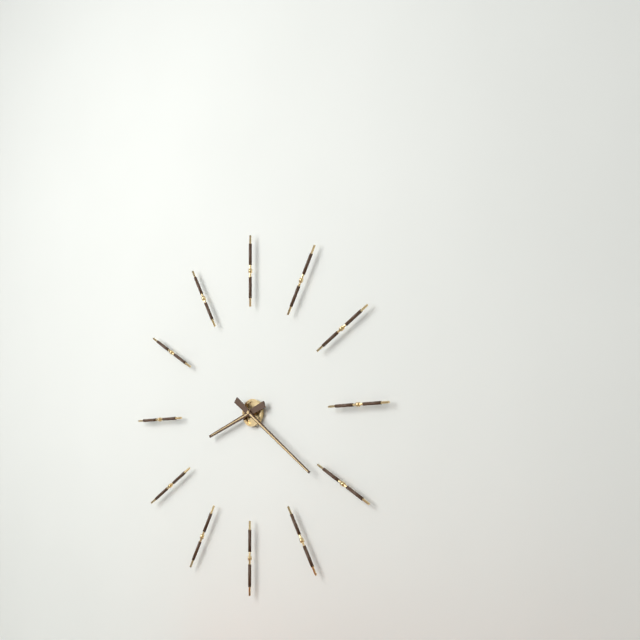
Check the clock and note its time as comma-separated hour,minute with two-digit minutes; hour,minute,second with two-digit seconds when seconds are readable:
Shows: 8,21
